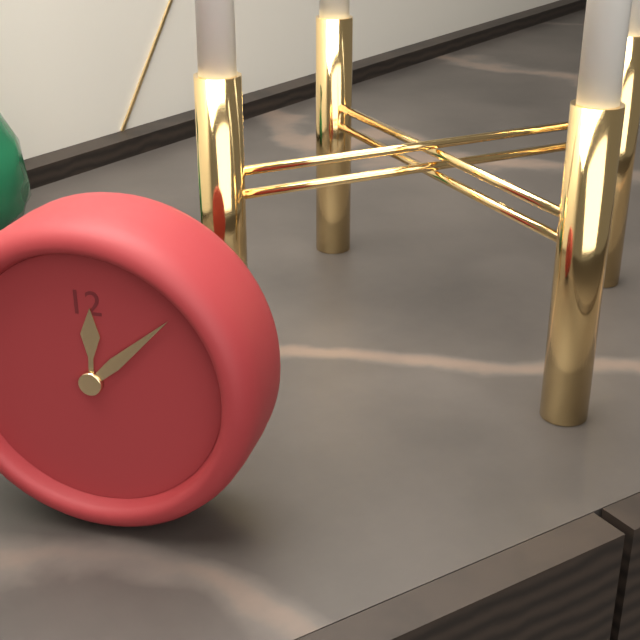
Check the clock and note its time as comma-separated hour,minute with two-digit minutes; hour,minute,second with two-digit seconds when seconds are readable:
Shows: 12,08
